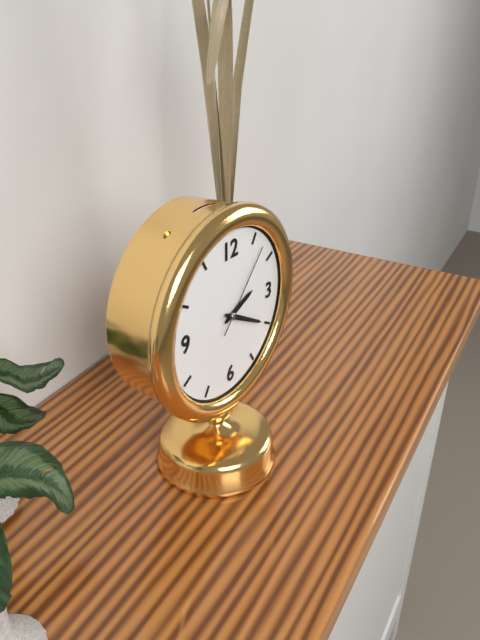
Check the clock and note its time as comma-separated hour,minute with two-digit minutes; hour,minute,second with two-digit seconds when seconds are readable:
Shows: 2,20,07
